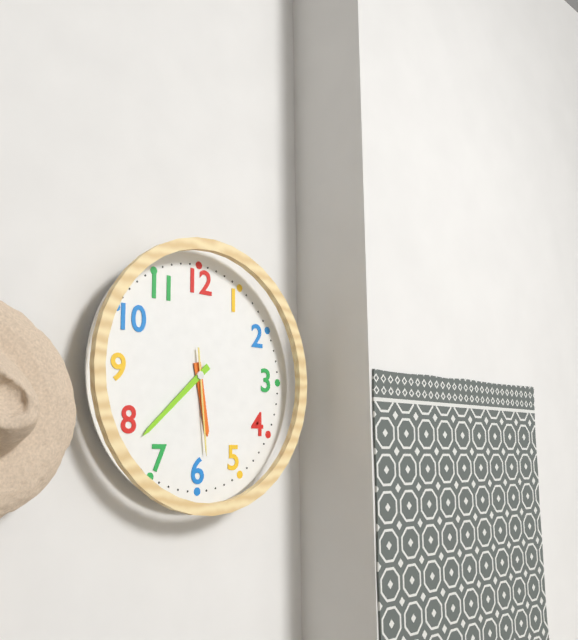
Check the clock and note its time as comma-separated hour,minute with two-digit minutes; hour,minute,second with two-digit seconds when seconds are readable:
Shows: 5,38,29
